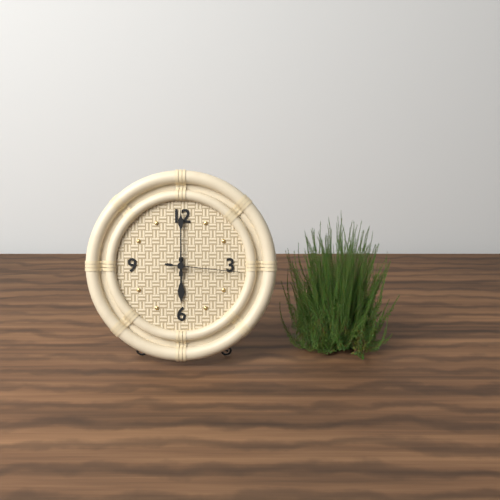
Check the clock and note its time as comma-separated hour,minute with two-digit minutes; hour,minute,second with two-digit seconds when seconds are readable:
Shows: 6,00,16
